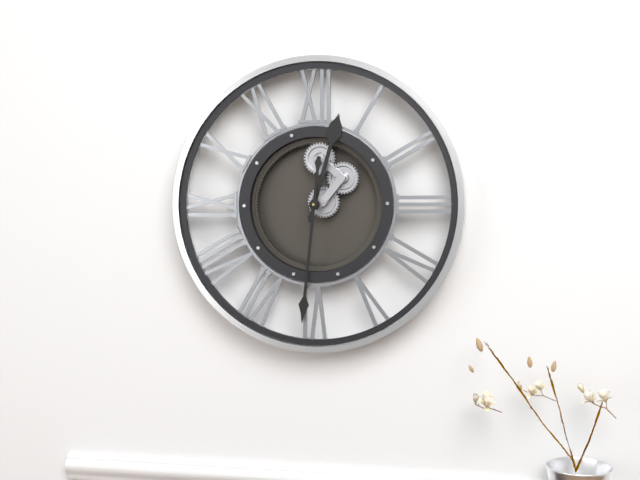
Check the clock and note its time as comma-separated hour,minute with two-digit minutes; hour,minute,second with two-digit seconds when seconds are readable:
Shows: 12,31
